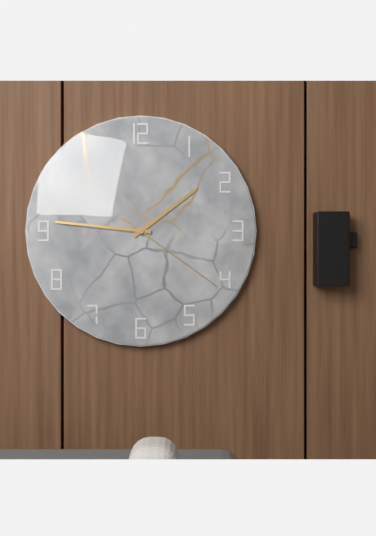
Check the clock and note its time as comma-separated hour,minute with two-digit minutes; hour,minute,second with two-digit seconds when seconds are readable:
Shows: 1,46,21
